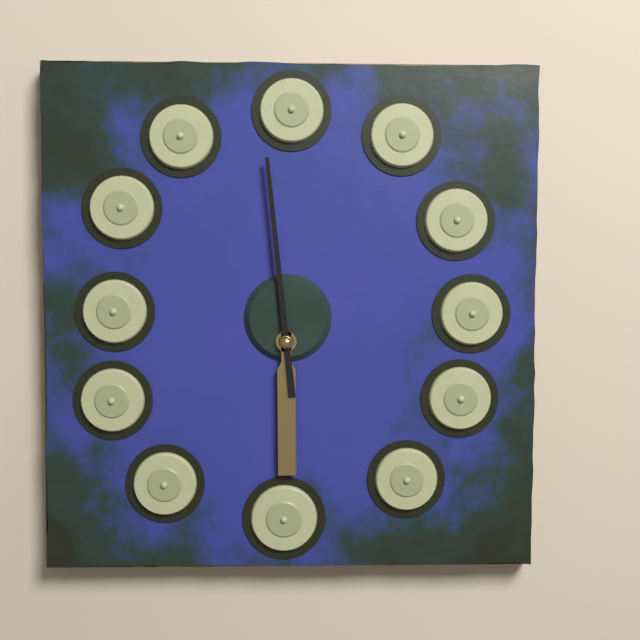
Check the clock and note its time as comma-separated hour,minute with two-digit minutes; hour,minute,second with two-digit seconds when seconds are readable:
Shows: 5,59
